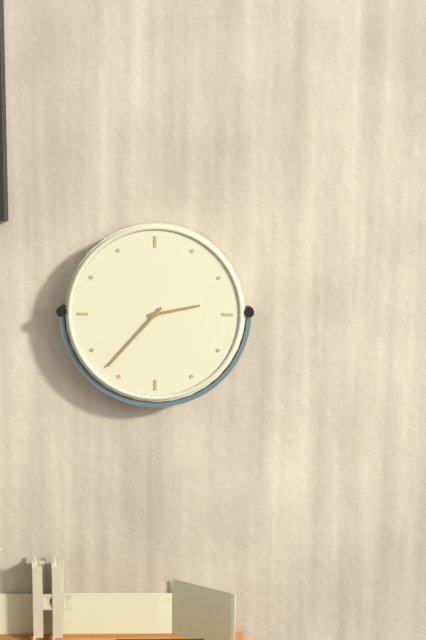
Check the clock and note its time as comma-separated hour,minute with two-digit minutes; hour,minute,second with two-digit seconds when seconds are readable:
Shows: 2,37
